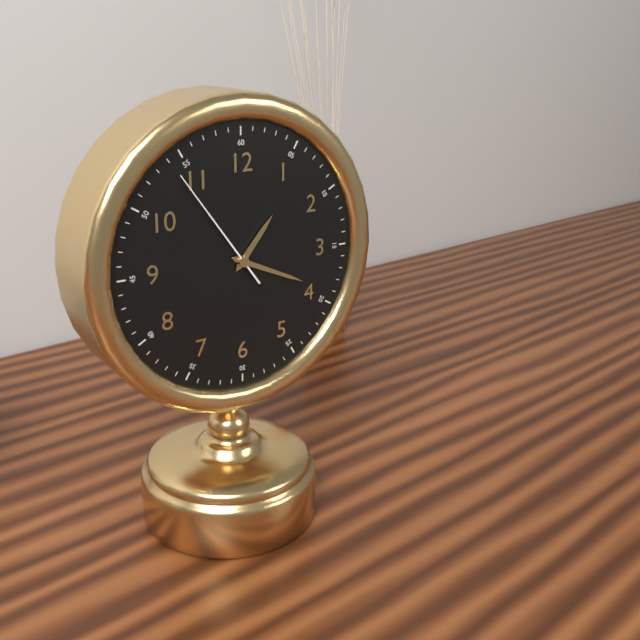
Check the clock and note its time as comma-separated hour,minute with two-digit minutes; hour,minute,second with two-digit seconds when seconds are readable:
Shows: 1,19,54
